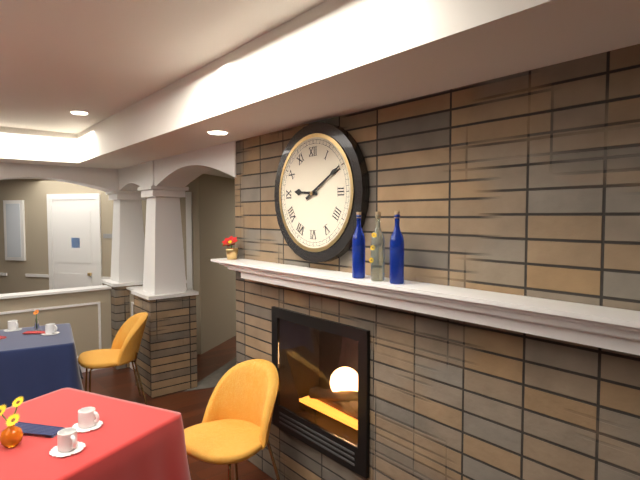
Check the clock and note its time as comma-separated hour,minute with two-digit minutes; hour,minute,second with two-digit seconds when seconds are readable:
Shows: 9,10
